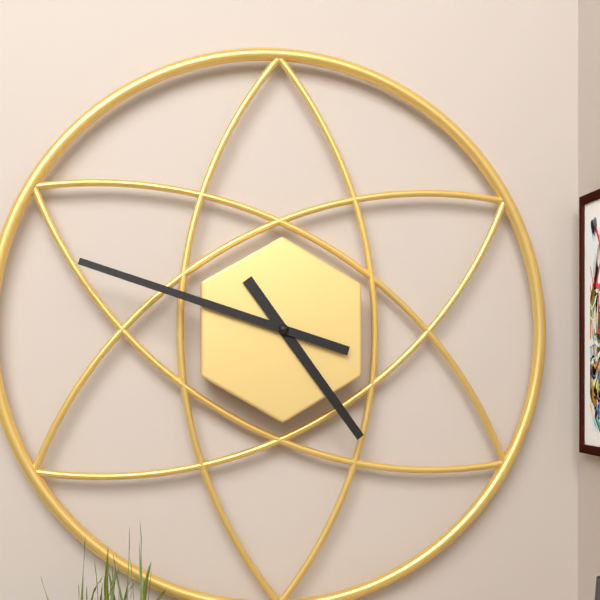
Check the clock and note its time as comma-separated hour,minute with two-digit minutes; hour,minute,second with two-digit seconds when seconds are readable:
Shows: 4,48
